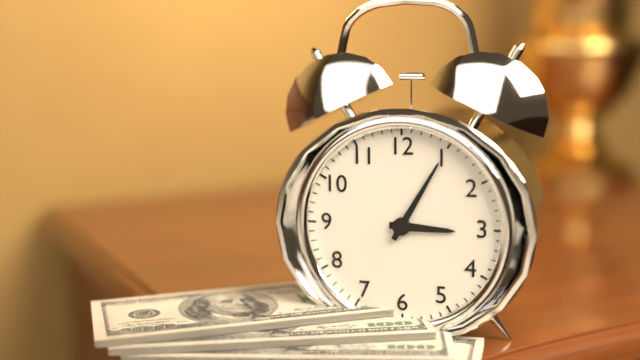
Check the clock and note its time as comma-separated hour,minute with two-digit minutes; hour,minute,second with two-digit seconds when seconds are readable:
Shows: 3,05
